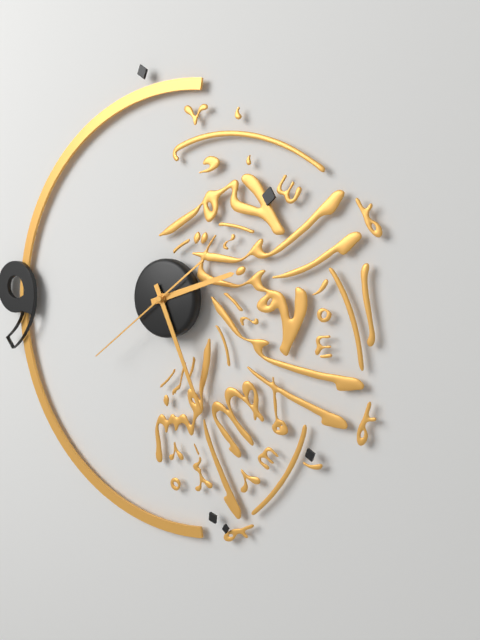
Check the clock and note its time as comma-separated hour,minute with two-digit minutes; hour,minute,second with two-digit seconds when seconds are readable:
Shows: 2,26,39
